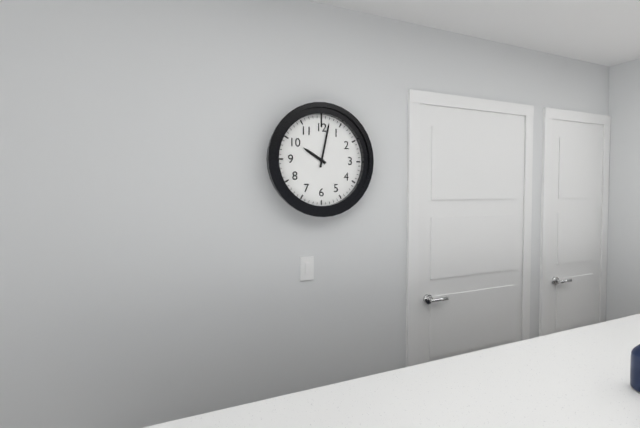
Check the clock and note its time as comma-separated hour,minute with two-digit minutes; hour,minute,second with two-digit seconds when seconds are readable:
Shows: 10,02
